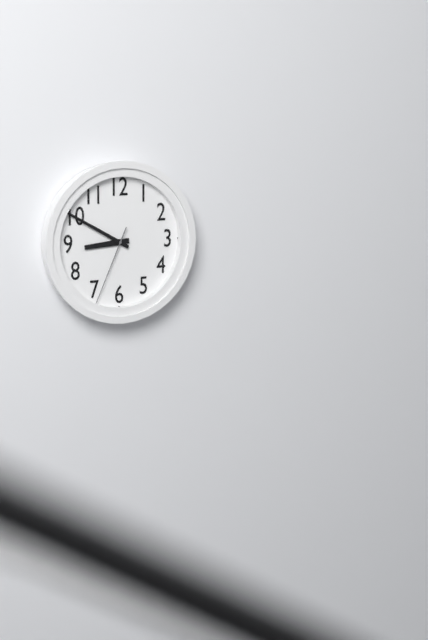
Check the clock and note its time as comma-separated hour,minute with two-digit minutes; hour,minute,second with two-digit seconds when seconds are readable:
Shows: 8,50,34
